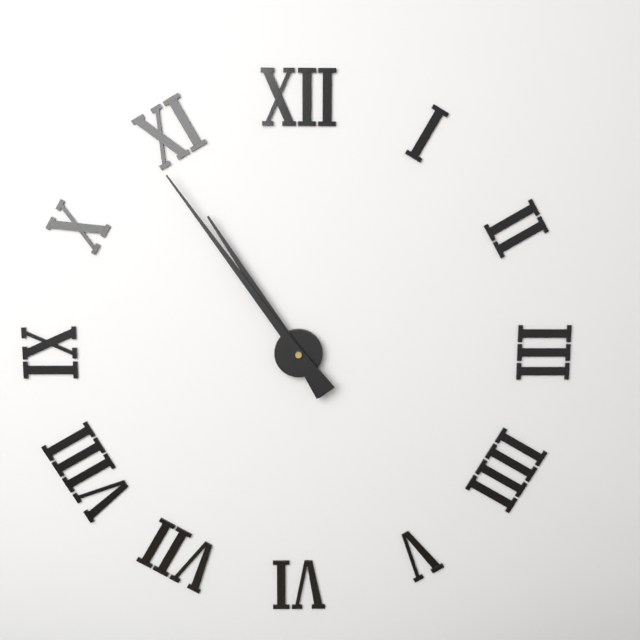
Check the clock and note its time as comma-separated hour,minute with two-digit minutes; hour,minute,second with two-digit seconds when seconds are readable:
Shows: 10,54
